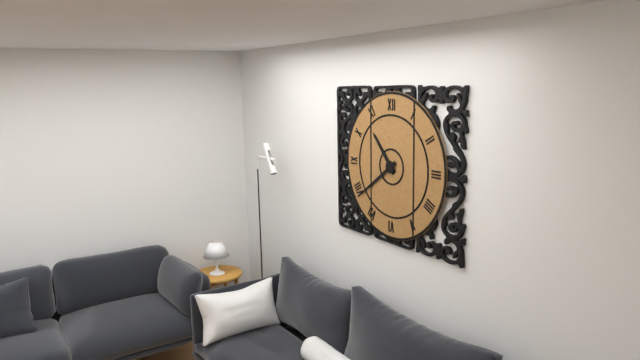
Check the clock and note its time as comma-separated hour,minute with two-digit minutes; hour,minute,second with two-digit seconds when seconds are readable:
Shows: 10,39
